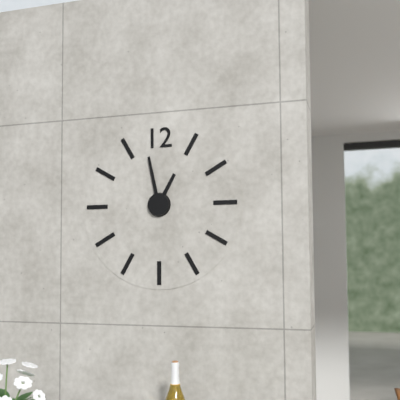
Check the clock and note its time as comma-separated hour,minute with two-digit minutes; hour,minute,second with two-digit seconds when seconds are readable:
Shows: 12,58
